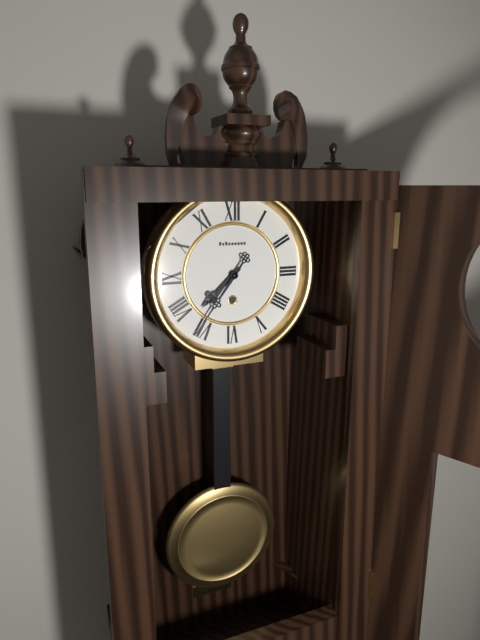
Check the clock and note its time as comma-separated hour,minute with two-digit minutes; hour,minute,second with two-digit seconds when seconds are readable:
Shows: 7,36
